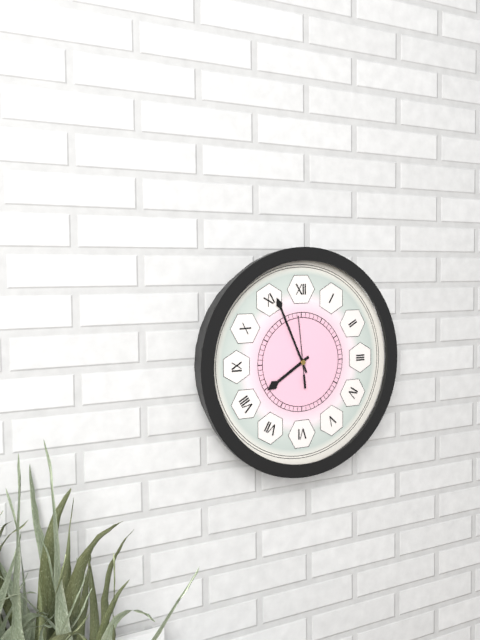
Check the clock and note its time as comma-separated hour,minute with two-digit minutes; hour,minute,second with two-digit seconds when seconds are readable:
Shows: 7,56,59
